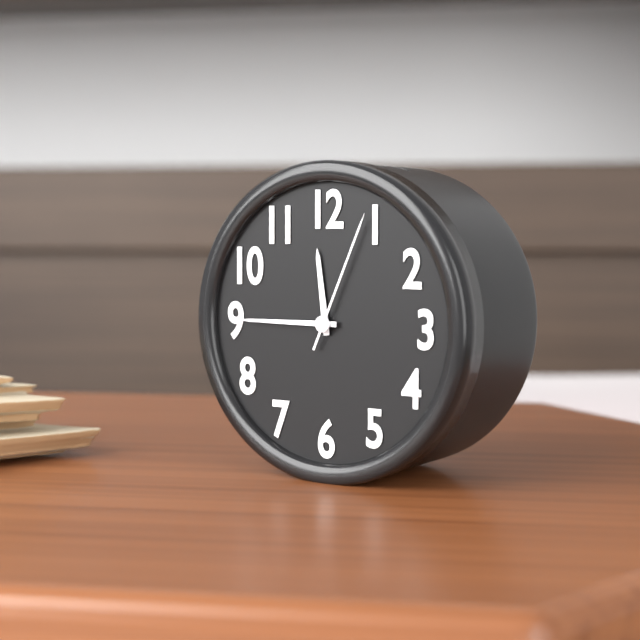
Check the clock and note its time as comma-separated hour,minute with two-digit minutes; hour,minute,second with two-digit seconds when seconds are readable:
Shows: 11,45,04
